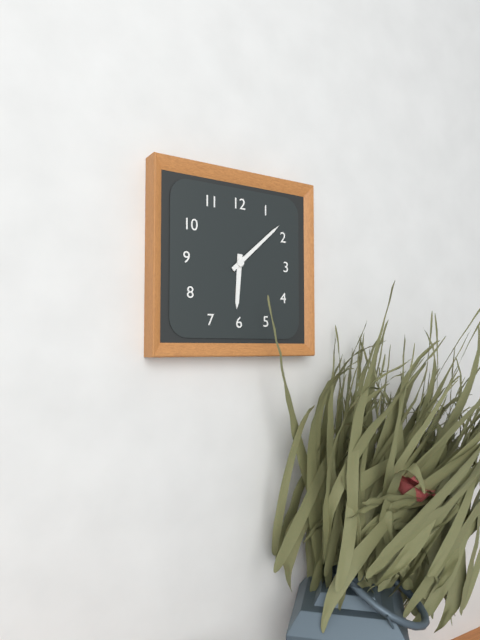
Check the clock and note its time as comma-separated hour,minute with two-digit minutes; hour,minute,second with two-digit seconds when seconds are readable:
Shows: 6,08
